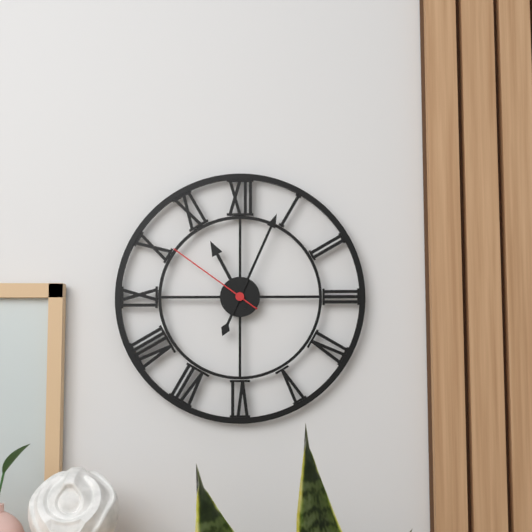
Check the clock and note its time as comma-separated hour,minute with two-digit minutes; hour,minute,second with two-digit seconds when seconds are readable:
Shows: 11,04,51
